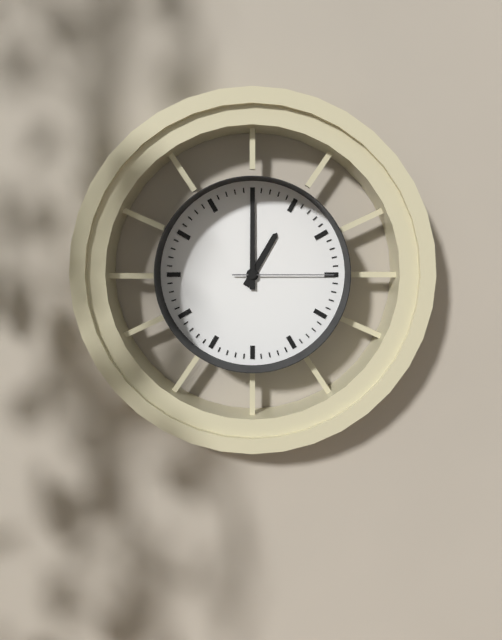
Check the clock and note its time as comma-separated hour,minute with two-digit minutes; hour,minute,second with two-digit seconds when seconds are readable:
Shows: 1,00,15
